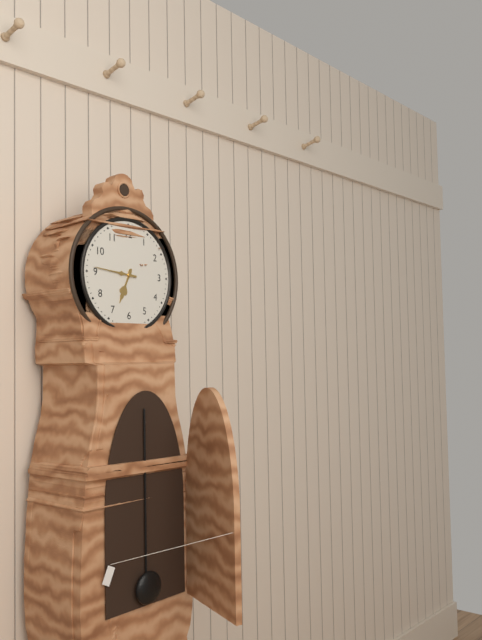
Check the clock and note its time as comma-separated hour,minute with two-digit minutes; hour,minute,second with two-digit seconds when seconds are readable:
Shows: 6,46
